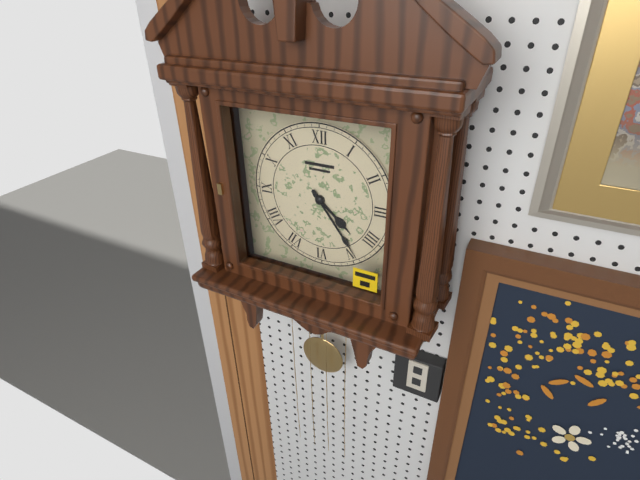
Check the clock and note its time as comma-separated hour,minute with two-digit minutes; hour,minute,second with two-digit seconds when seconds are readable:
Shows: 4,24
